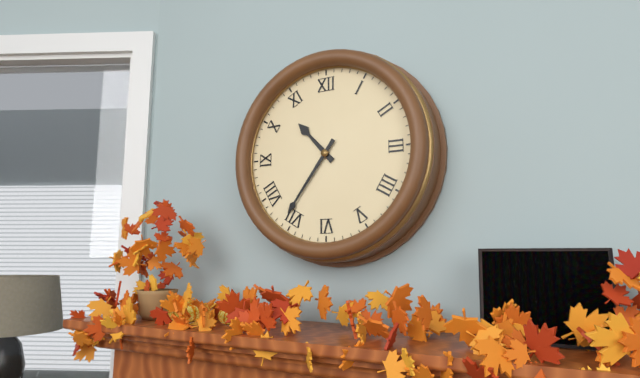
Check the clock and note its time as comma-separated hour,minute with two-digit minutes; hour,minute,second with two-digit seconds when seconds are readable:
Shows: 10,36
